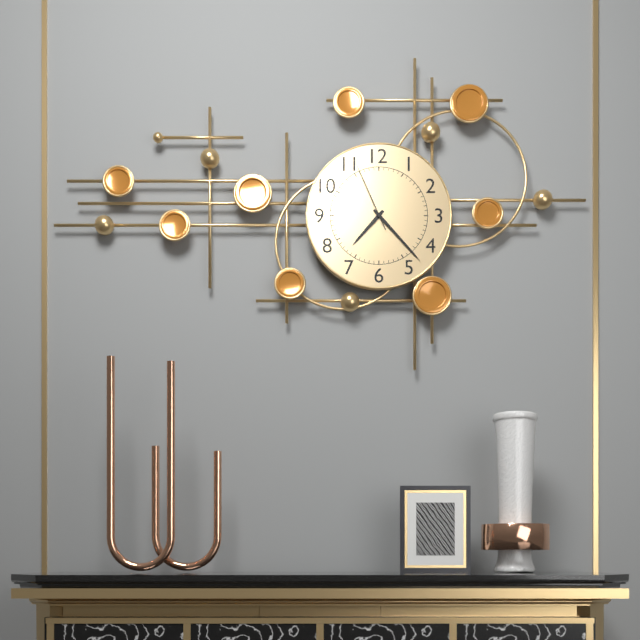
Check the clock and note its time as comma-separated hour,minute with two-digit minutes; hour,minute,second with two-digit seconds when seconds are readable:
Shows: 7,23,56
